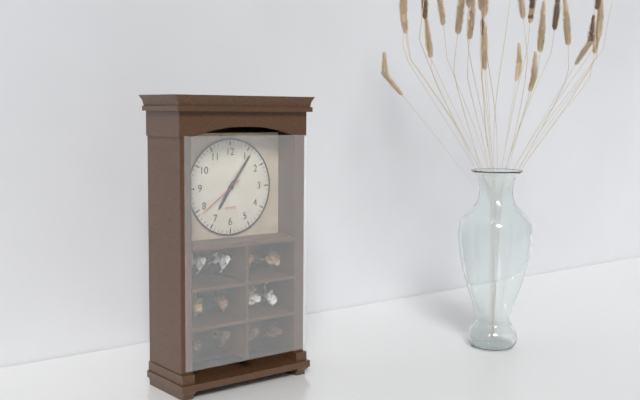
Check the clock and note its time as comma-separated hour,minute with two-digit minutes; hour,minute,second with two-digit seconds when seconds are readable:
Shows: 7,06,39
